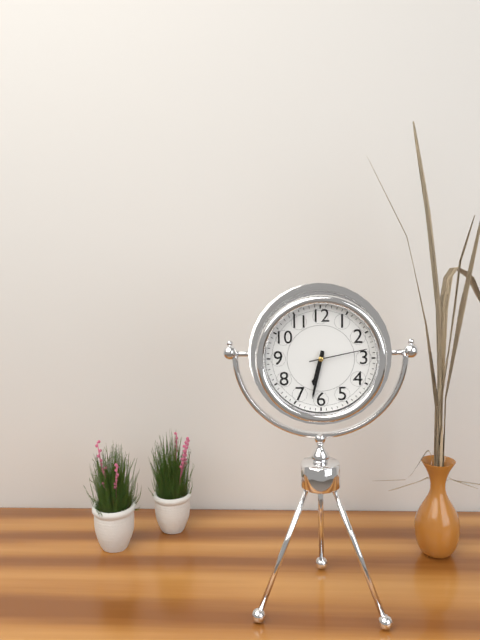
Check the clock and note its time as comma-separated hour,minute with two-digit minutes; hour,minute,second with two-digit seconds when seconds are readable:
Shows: 6,32,13
